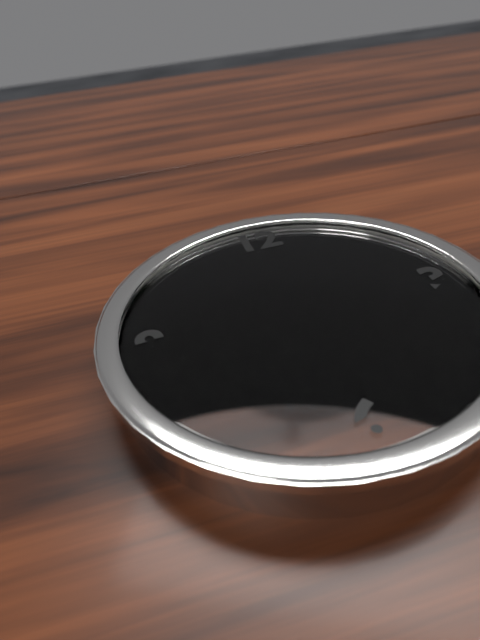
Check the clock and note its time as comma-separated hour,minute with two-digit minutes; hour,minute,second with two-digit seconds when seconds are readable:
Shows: 6,52
